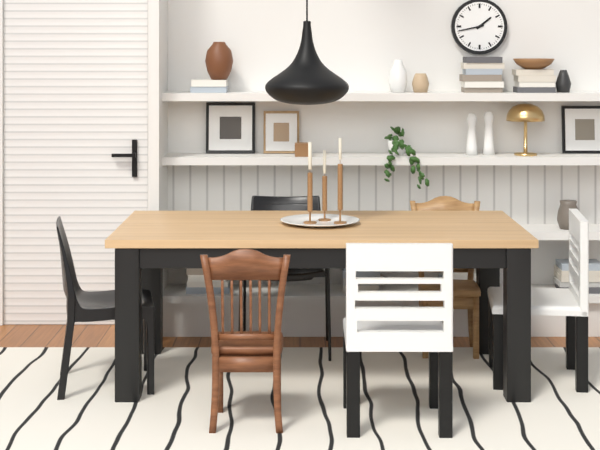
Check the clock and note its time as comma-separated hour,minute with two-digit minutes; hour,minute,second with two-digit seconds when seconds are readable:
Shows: 1,43
